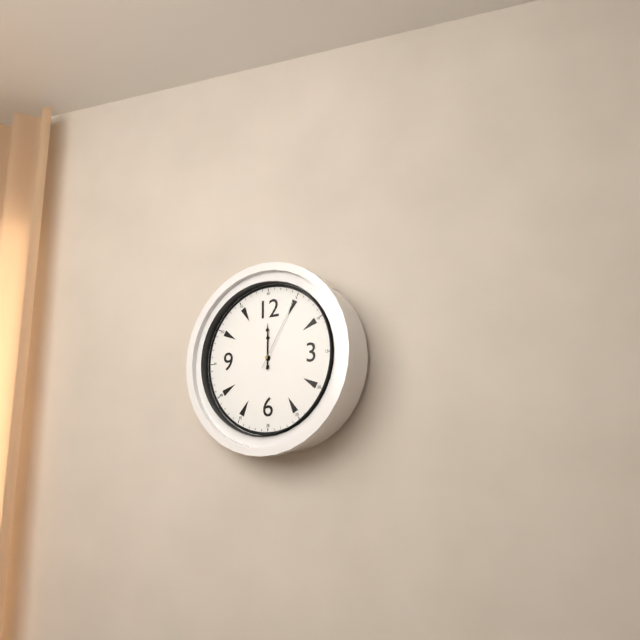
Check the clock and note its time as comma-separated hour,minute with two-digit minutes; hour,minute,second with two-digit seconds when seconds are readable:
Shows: 12,00,05
